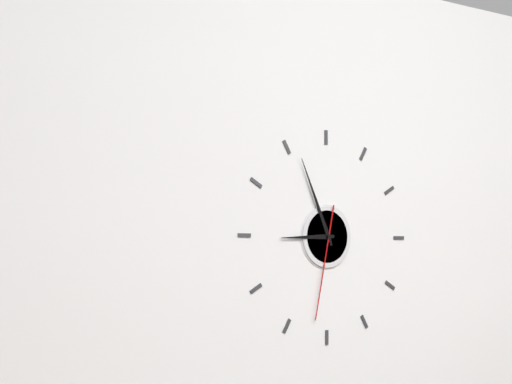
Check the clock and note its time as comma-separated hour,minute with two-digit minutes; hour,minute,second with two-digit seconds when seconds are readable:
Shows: 8,56,32
